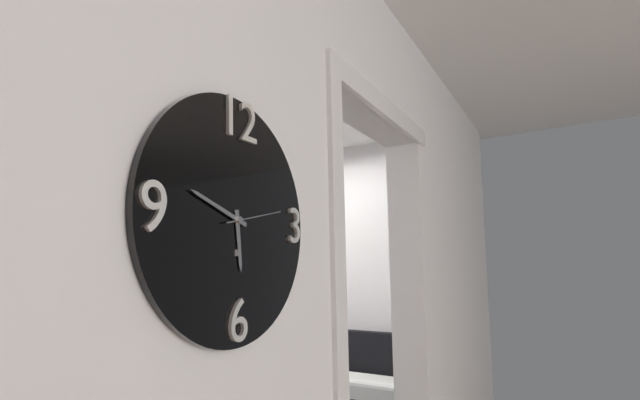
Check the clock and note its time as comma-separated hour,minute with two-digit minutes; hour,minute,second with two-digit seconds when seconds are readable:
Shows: 5,48,13
